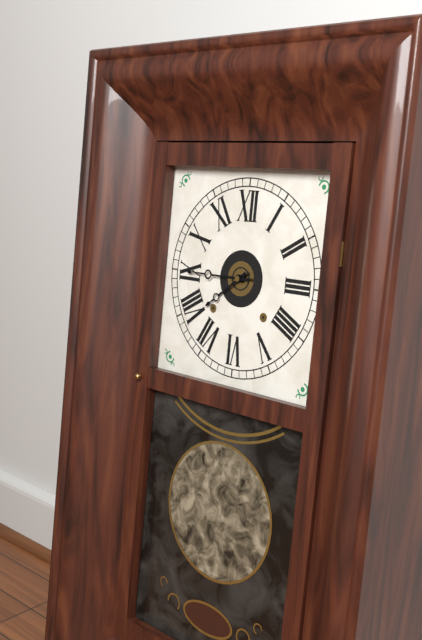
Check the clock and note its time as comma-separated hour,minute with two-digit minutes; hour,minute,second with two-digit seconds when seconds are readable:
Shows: 7,45
